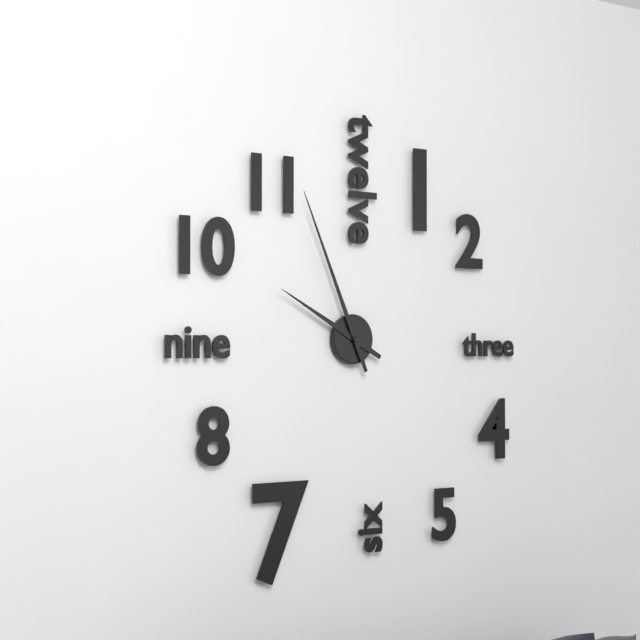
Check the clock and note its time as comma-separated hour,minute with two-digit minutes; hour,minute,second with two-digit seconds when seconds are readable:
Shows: 9,56
